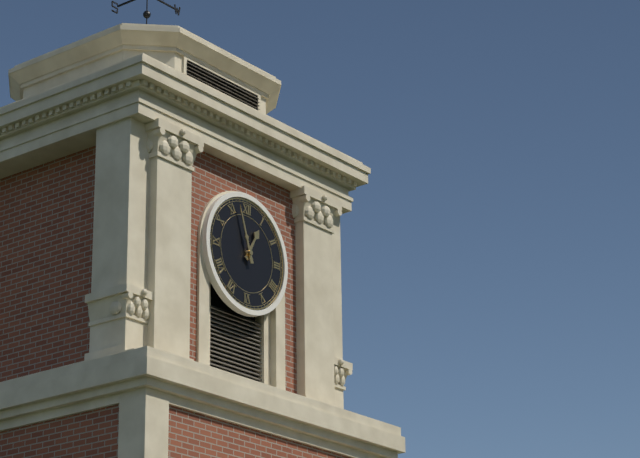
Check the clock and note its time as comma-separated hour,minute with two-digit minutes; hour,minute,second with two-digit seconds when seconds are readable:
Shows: 12,57
